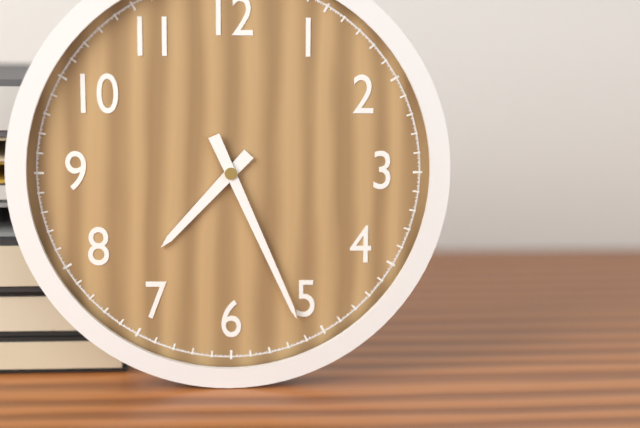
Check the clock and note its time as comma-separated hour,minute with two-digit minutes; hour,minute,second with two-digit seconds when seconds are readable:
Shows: 7,26
